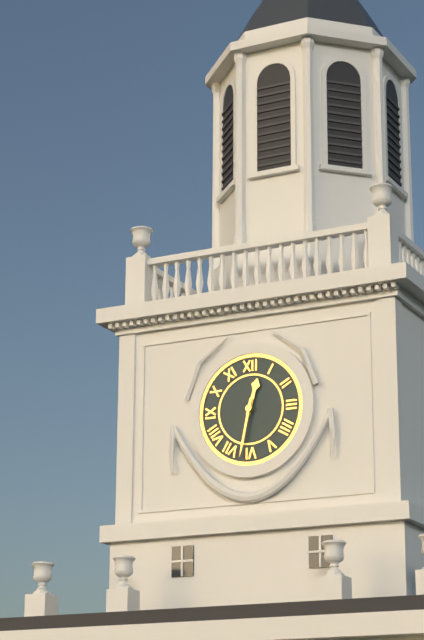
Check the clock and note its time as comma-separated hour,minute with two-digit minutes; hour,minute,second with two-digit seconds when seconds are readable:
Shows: 12,32
